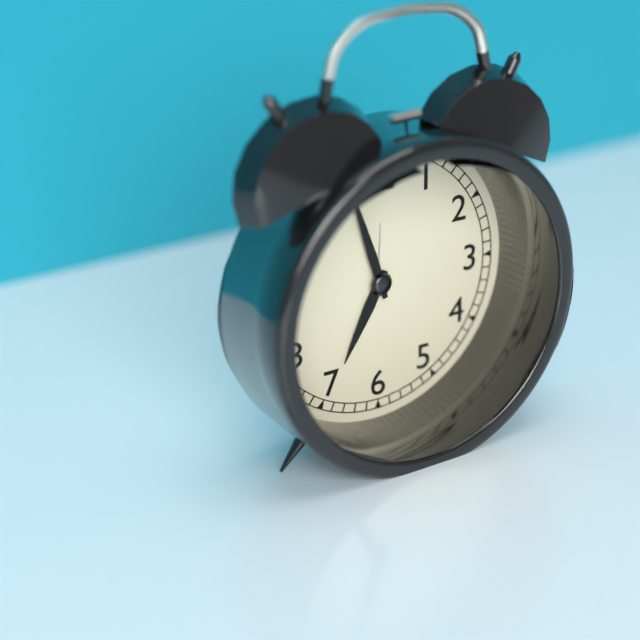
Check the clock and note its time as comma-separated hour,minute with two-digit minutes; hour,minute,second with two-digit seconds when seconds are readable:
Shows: 6,57
